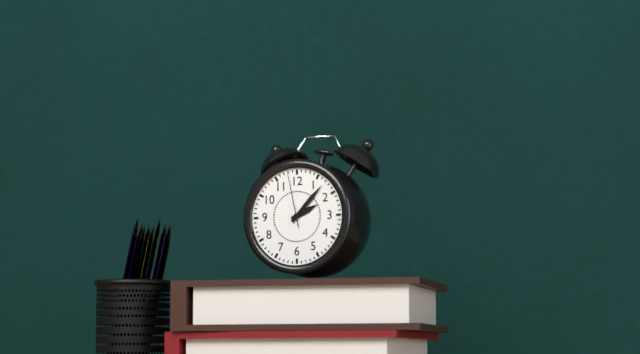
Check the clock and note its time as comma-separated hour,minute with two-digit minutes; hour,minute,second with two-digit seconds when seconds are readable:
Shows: 2,07,58
